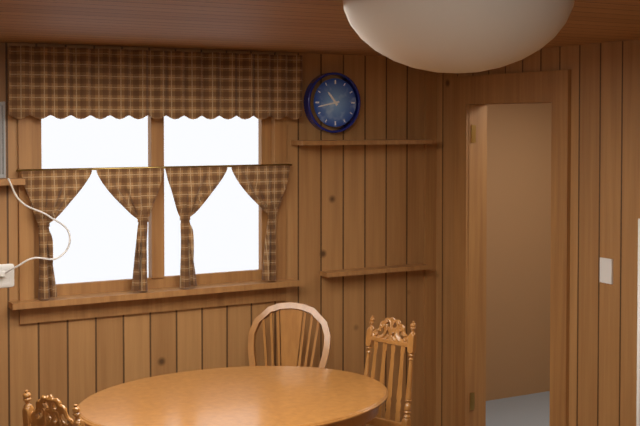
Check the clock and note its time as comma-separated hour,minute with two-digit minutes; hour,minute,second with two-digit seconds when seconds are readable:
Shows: 10,43
